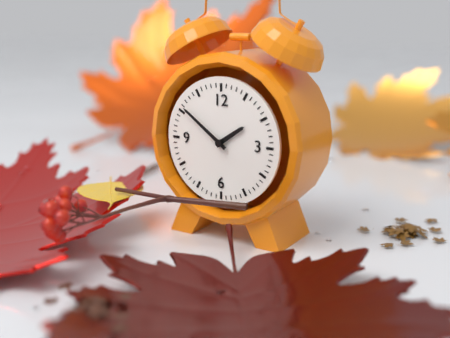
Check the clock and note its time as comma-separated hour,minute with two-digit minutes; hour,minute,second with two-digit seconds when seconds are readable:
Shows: 1,51
